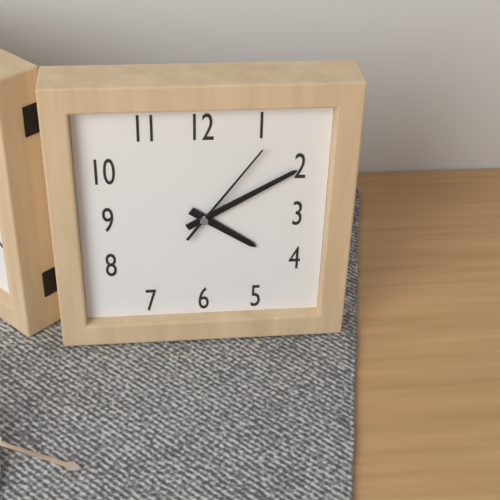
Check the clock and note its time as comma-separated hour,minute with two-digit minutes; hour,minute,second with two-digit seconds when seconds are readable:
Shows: 4,10,06
